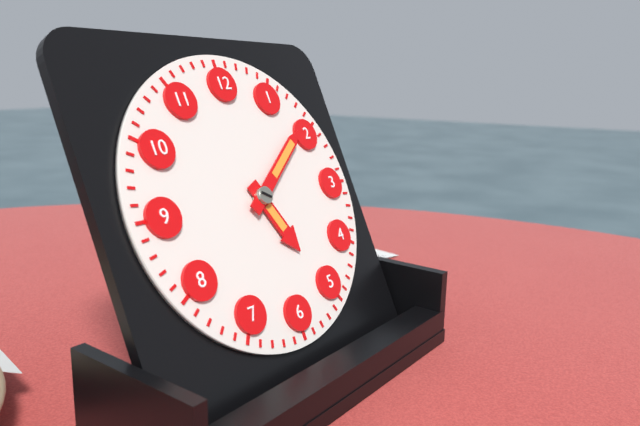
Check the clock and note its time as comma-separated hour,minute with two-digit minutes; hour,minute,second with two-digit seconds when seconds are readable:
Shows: 5,09
